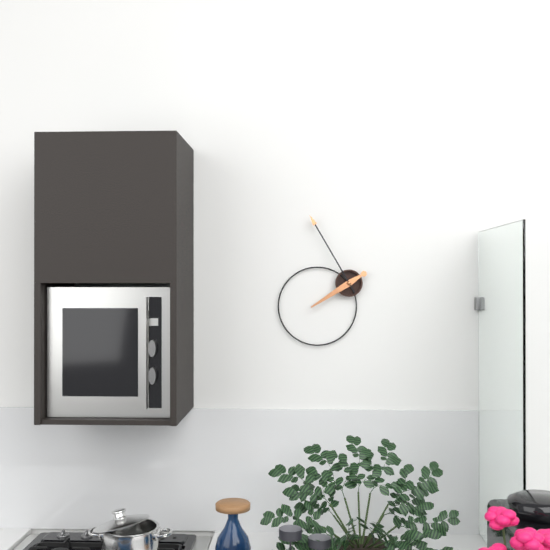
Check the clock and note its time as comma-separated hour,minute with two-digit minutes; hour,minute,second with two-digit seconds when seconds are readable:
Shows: 7,55
